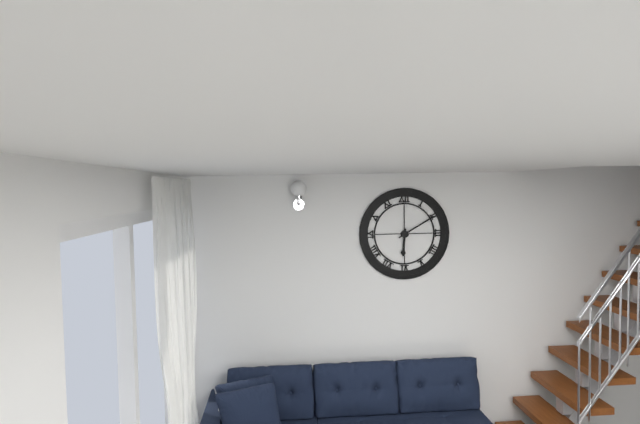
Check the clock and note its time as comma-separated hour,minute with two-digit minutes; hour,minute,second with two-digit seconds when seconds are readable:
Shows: 6,10
